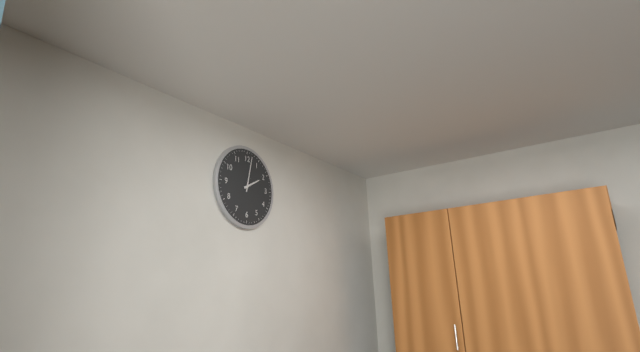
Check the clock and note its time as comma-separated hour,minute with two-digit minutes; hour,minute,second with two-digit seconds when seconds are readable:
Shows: 2,02
